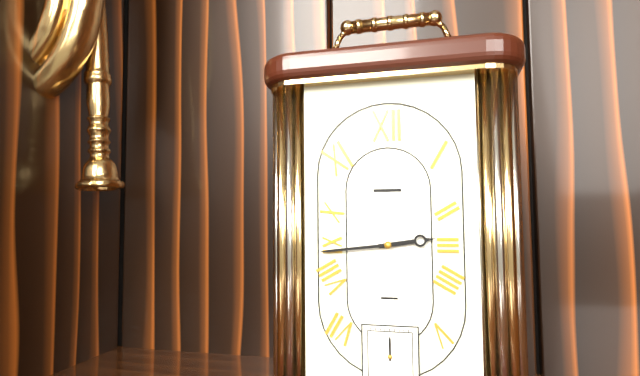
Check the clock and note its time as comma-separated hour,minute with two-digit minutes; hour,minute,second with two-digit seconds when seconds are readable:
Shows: 2,44
